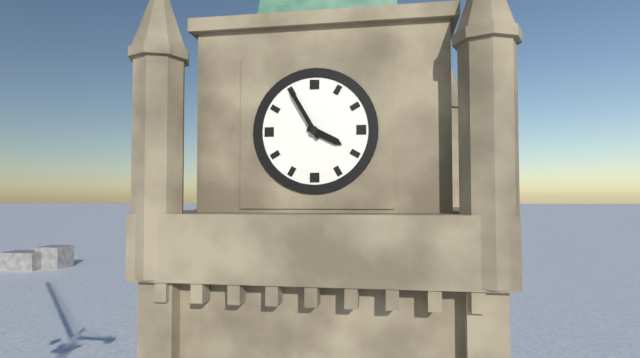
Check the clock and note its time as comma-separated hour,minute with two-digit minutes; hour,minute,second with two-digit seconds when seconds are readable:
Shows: 3,55
